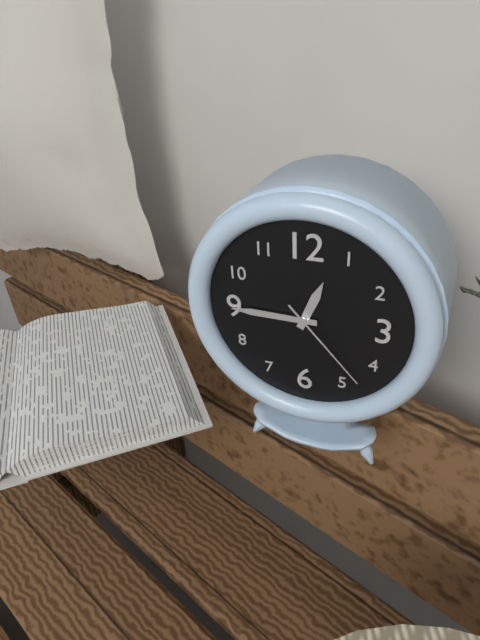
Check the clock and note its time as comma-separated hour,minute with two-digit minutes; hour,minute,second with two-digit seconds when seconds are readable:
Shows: 12,45,23
